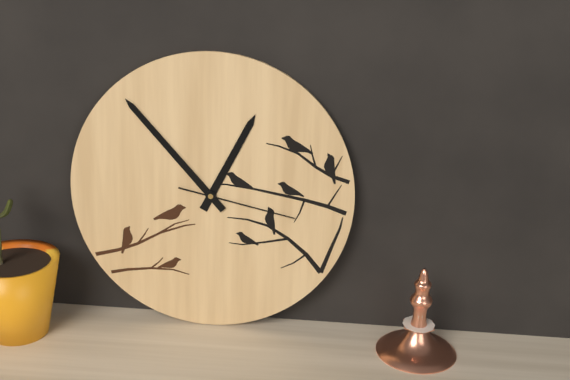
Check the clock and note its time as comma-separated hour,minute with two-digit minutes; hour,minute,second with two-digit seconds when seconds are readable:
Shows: 12,53,17
